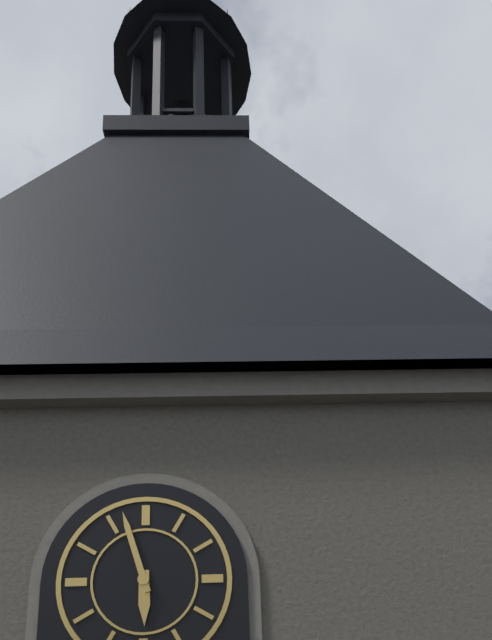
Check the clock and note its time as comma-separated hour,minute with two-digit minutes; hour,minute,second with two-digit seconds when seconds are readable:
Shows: 5,57
